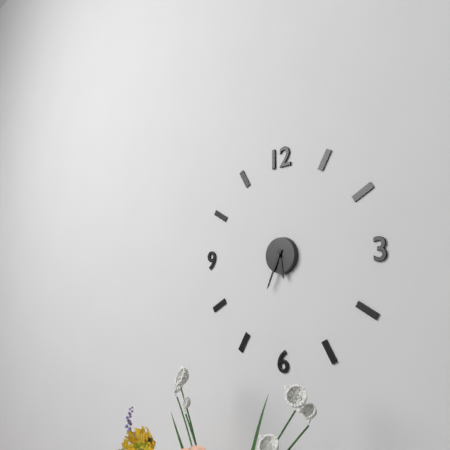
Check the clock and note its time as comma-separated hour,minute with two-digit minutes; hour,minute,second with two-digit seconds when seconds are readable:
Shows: 5,34
